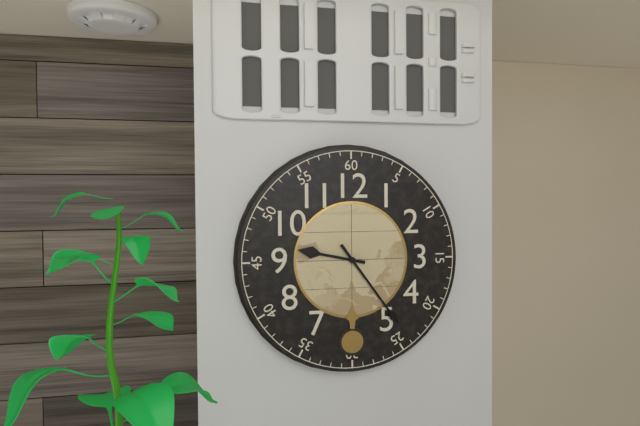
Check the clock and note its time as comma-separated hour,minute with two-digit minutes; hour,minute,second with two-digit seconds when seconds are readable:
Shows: 9,24
